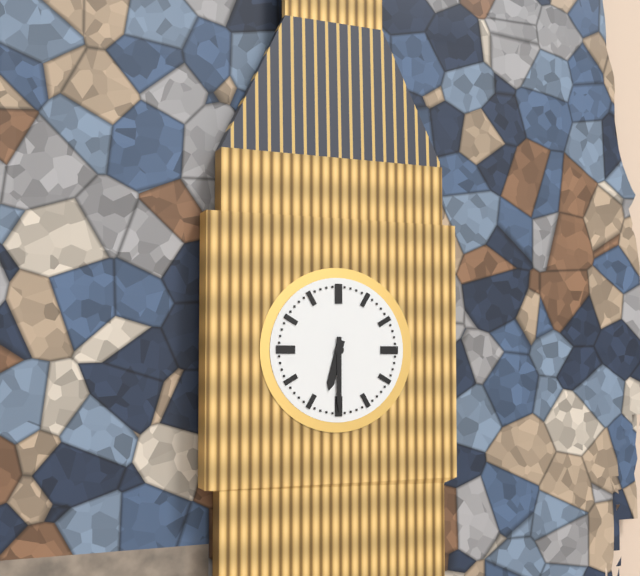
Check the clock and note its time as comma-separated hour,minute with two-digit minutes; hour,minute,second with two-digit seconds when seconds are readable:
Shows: 6,30
